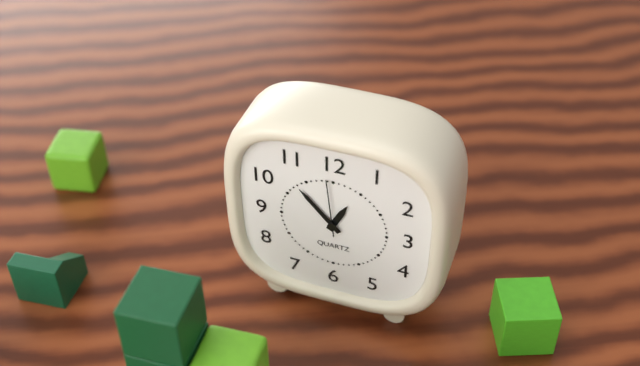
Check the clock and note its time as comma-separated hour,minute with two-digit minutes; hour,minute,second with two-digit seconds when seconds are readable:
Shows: 12,53,59
